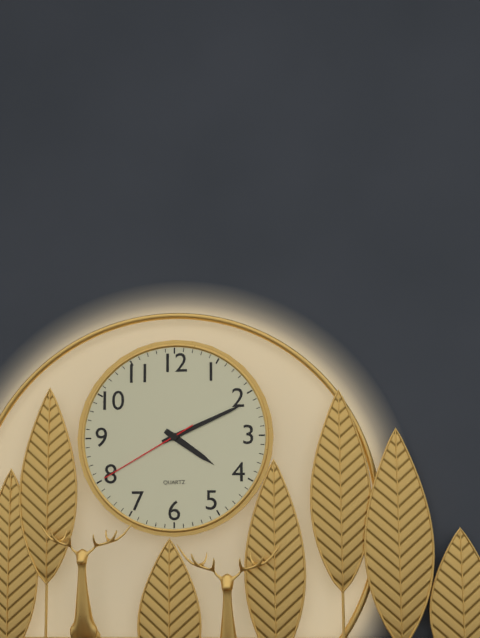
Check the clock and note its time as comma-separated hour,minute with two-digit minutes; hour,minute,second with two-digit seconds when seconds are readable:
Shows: 4,11,40
